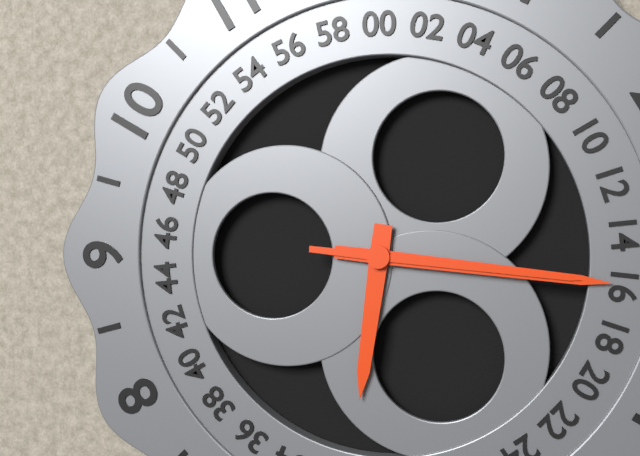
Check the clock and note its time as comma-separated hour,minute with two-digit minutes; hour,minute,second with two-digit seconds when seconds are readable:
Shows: 6,16,16
